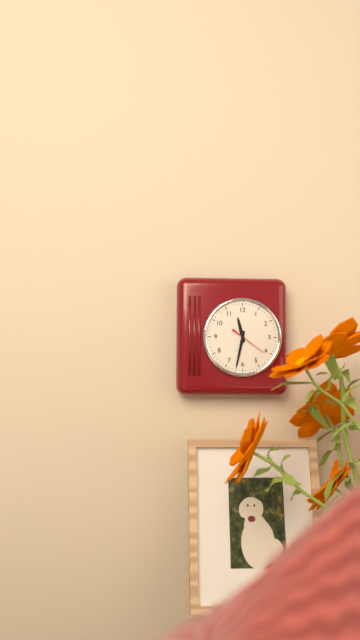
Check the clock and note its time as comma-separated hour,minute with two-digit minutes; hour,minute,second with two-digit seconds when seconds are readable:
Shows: 11,32
